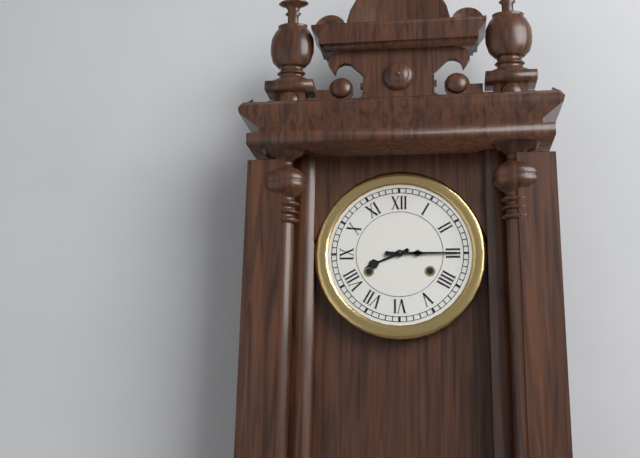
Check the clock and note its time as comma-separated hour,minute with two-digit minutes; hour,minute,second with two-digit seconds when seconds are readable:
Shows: 8,15
